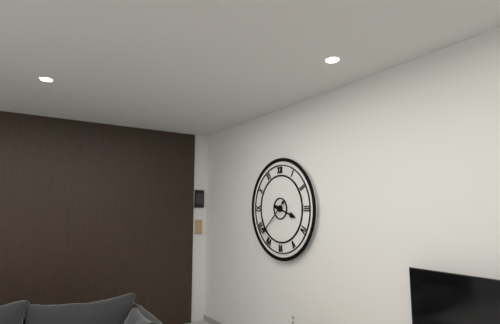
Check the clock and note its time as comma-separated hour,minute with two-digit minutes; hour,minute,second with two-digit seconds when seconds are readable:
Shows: 3,38
